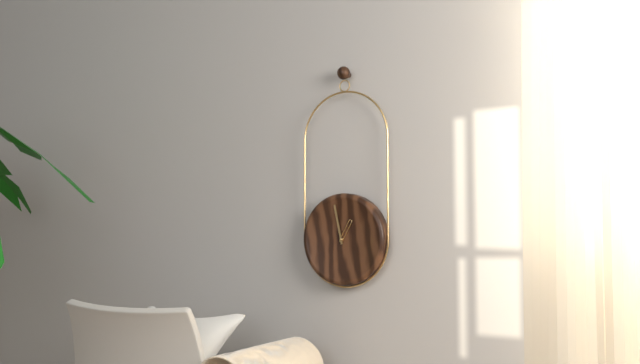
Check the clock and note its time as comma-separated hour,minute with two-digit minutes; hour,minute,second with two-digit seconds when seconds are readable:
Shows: 12,58
